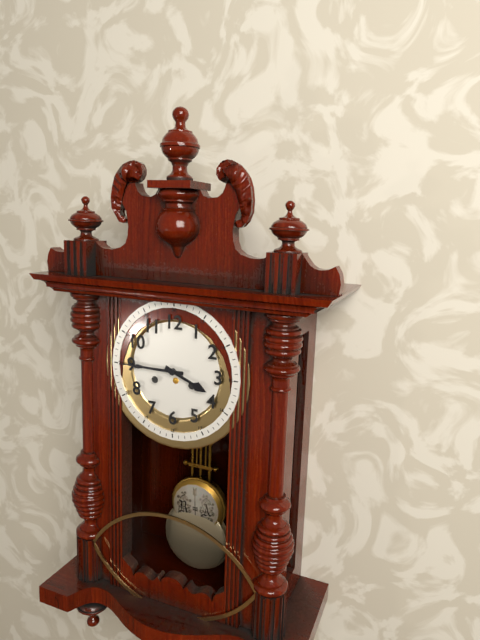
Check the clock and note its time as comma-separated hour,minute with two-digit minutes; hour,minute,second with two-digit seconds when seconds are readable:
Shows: 3,45
